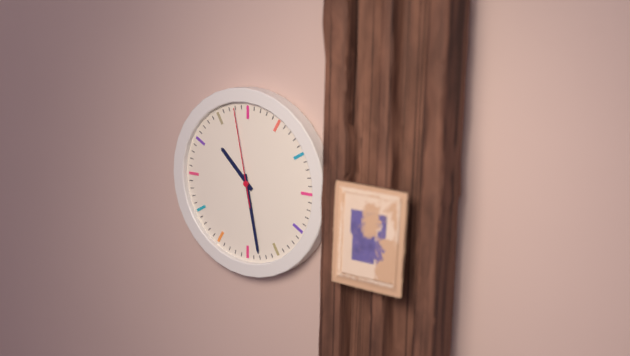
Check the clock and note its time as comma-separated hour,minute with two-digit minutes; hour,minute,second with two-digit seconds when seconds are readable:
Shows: 10,28,58
